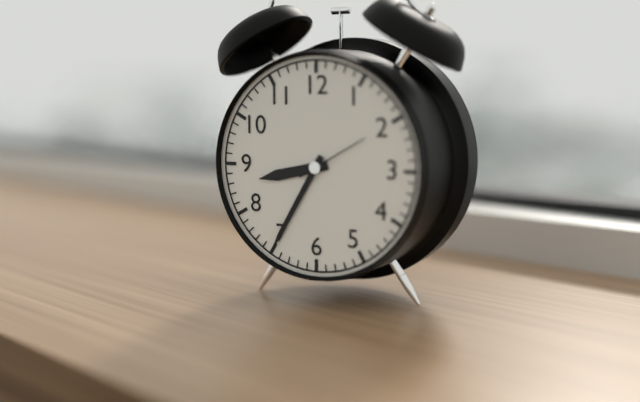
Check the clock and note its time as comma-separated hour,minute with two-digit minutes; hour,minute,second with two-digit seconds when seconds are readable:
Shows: 8,35
